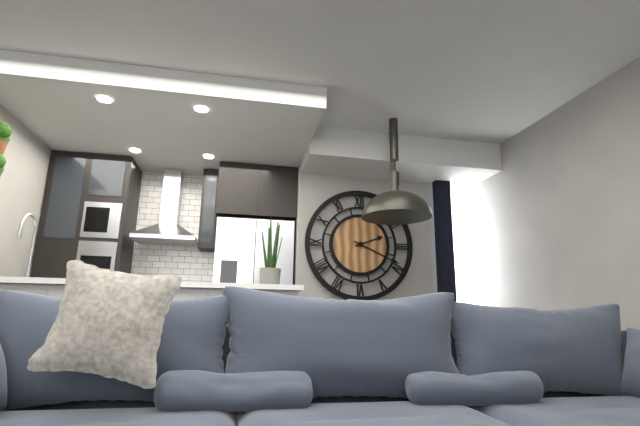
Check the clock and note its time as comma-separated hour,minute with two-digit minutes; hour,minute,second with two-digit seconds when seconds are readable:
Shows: 2,19
